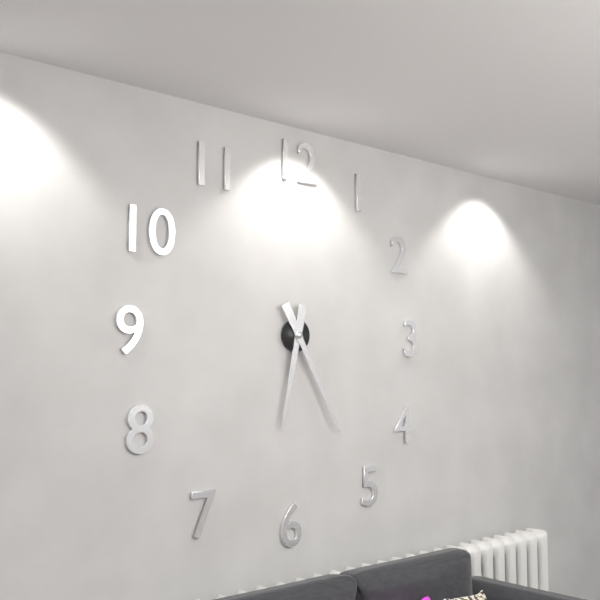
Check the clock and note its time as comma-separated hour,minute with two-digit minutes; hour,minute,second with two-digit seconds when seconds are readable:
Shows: 6,25
